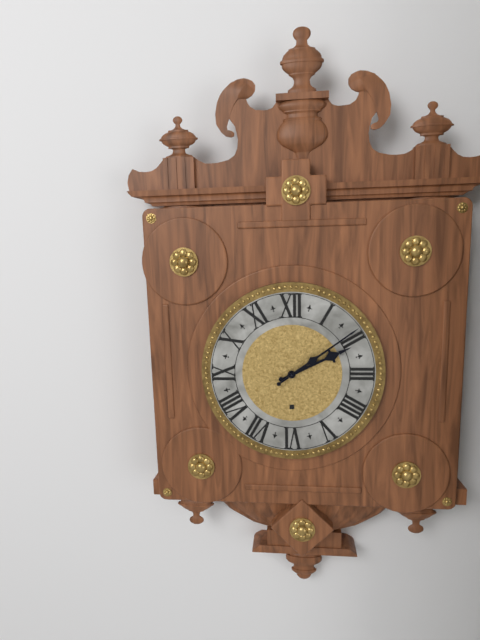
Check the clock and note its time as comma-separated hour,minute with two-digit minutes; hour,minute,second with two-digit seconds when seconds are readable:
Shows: 2,09
